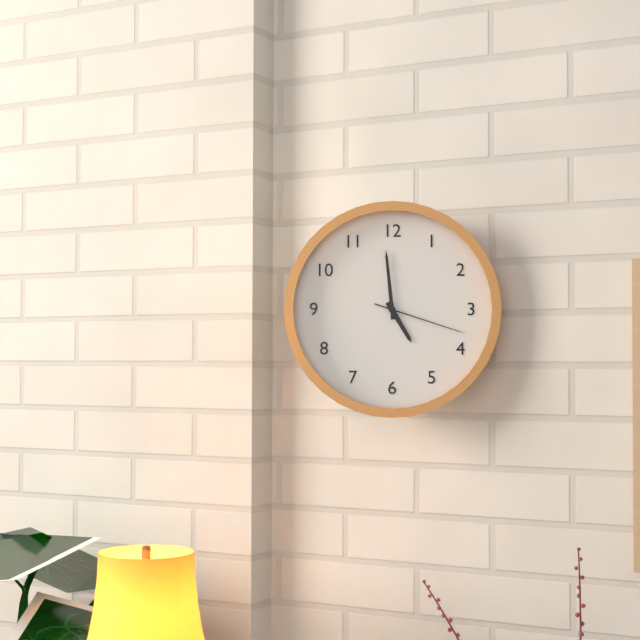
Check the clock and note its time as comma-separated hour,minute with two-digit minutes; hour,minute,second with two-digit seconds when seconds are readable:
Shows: 4,59,18
